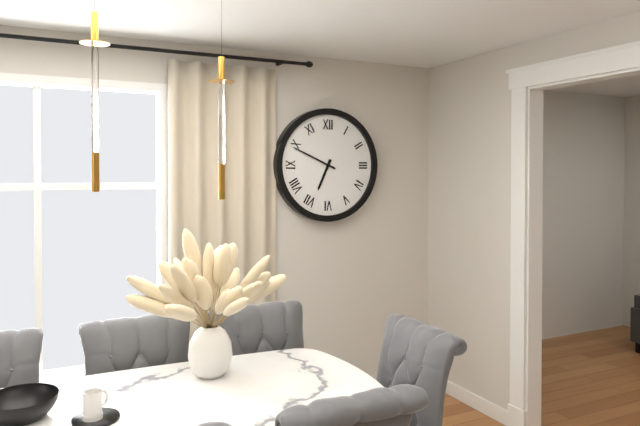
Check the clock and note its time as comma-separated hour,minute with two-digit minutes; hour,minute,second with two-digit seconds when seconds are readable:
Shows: 6,49
